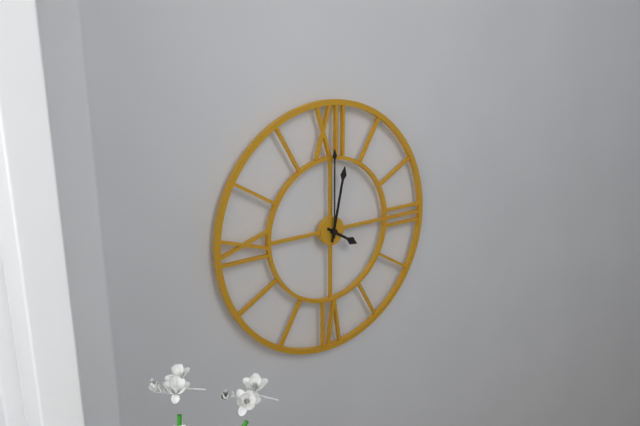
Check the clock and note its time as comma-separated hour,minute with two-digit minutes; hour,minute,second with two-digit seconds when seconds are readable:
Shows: 4,02,00
